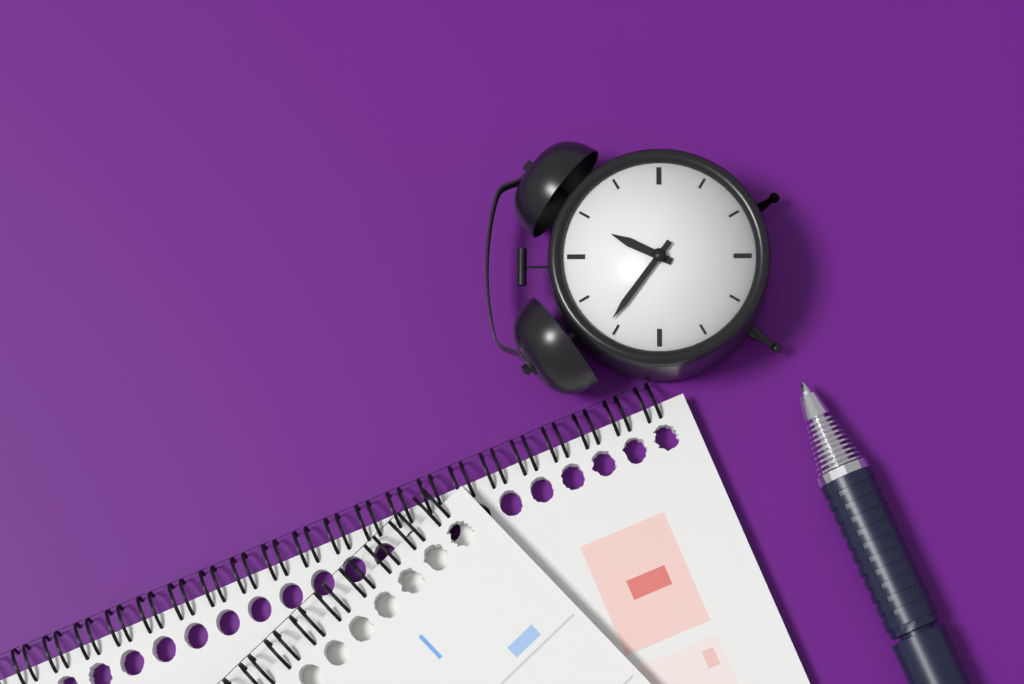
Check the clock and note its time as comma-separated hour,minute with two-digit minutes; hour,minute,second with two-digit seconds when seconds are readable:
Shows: 12,51
